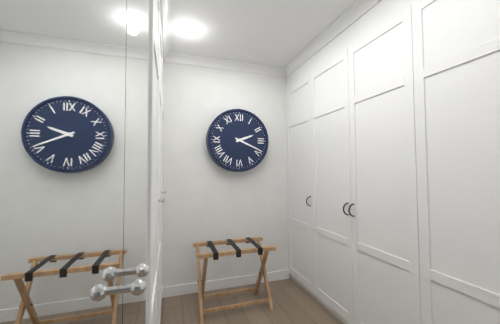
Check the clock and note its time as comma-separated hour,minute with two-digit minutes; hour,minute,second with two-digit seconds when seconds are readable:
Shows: 2,19
